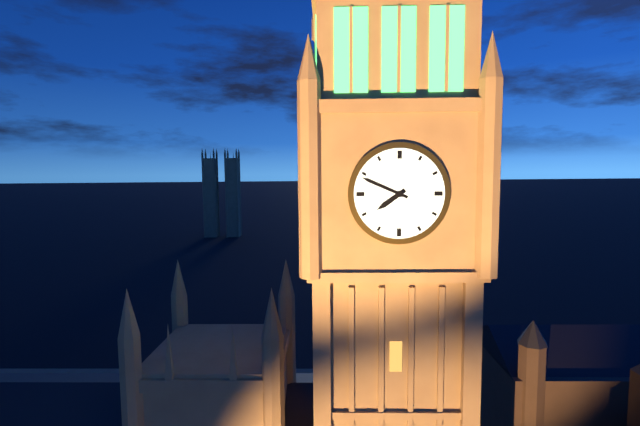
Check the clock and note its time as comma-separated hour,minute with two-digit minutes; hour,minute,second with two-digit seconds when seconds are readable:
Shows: 7,49
